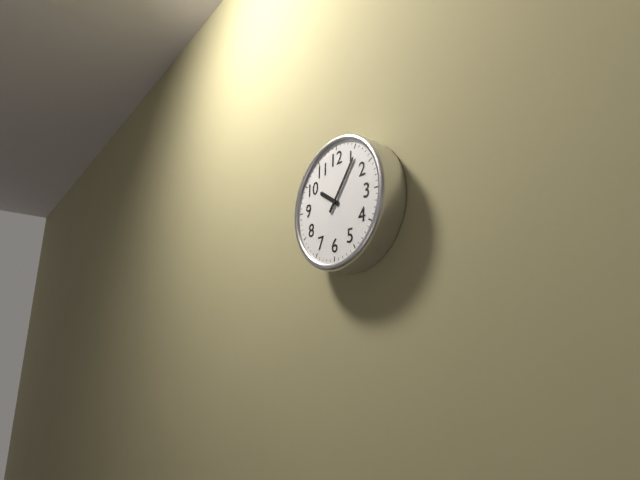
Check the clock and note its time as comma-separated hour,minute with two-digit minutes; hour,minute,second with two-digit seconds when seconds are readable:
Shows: 10,06
